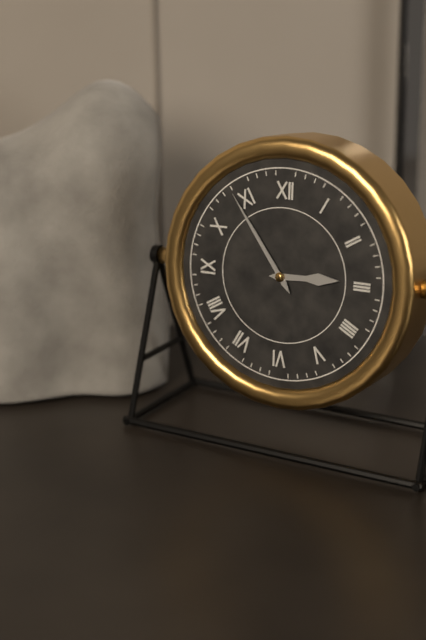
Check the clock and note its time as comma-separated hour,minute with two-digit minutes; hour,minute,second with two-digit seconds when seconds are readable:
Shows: 2,54
